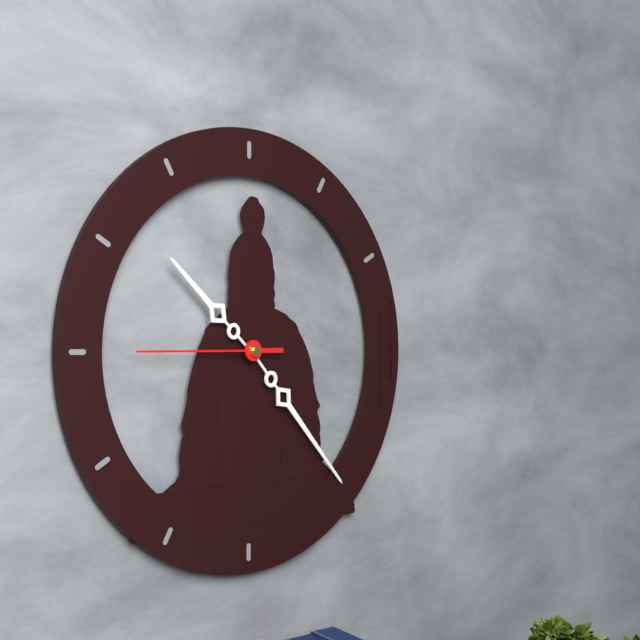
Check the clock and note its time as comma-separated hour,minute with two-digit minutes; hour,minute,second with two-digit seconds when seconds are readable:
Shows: 10,23,45
